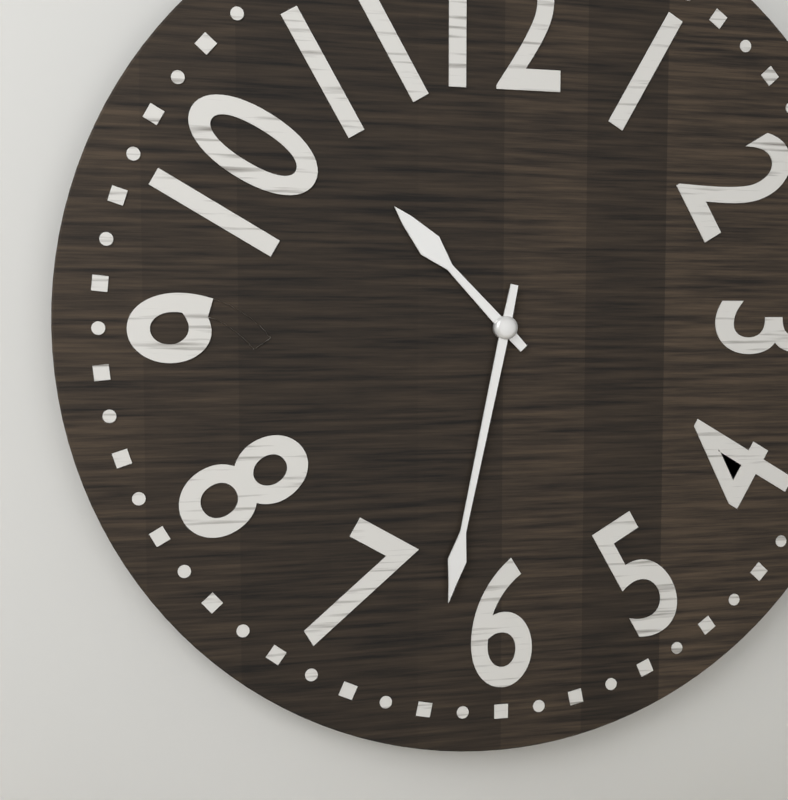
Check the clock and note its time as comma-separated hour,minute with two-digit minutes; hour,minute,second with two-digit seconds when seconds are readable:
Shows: 10,32
